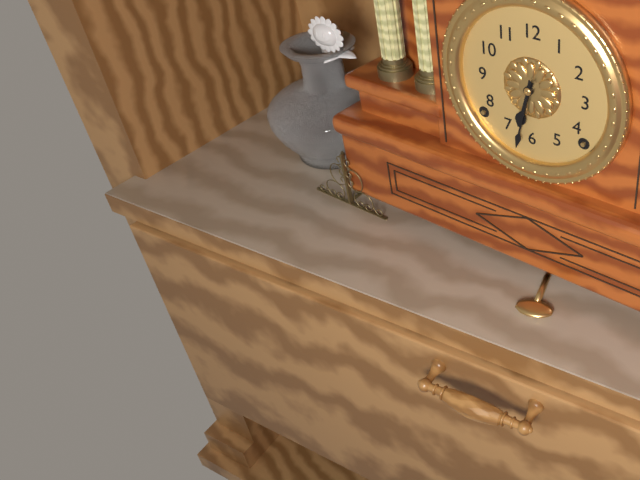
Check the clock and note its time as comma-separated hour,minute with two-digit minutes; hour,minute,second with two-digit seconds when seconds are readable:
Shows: 6,32
